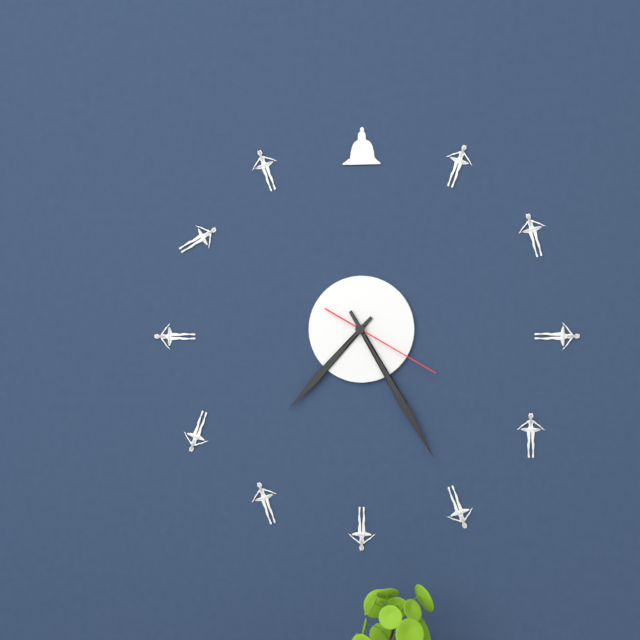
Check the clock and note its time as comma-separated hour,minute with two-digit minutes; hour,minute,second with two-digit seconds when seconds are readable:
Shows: 7,25,20
